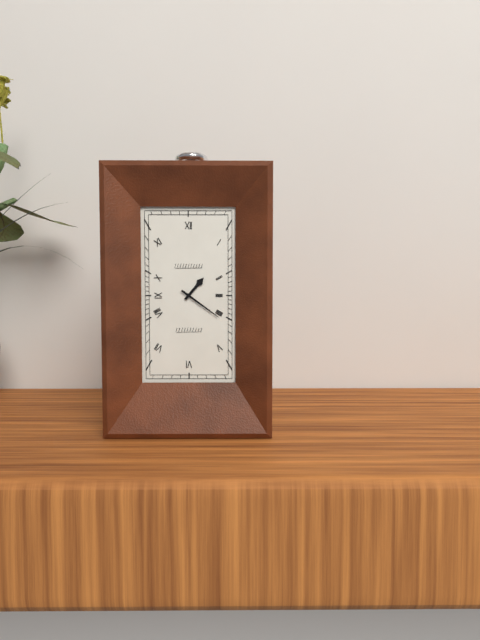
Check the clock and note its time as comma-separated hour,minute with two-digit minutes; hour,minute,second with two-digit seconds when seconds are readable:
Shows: 1,21
